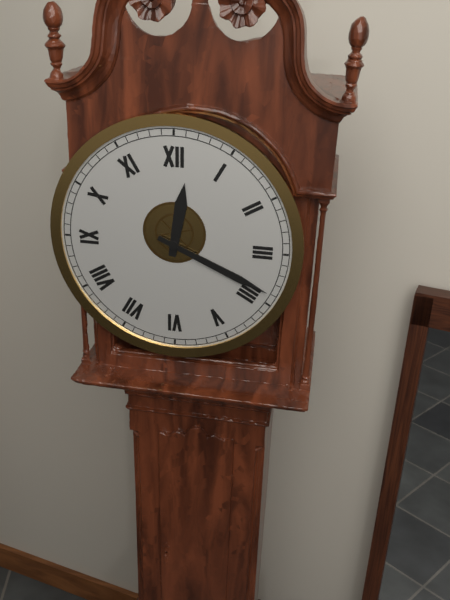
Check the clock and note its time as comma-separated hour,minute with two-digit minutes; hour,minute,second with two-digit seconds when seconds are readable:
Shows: 12,19
